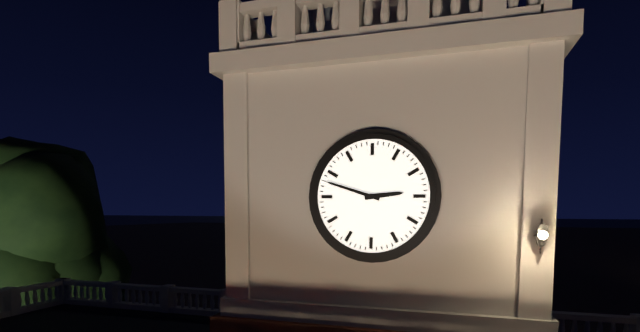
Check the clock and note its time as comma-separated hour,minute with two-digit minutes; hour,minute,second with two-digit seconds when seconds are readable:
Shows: 2,48
